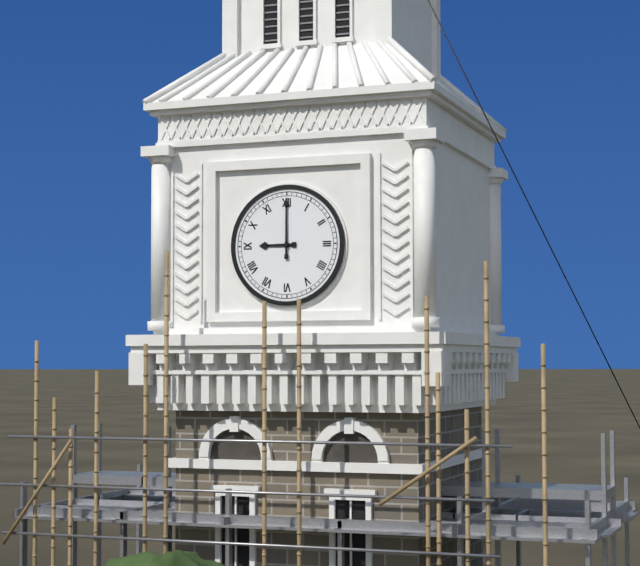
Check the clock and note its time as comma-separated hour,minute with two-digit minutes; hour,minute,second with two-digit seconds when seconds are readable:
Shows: 9,00
